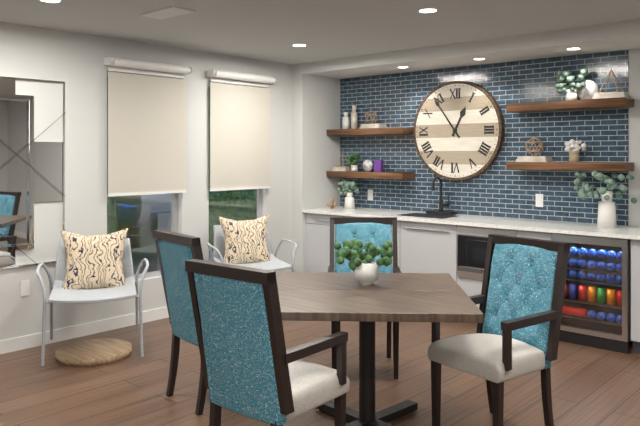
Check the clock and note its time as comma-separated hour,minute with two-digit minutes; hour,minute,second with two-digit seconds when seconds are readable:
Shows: 12,54
